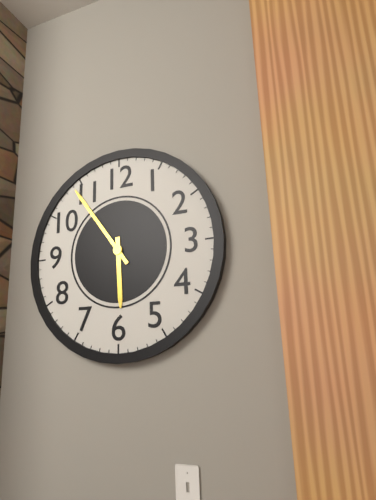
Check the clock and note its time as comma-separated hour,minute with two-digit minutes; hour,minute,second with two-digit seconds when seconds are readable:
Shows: 5,54
